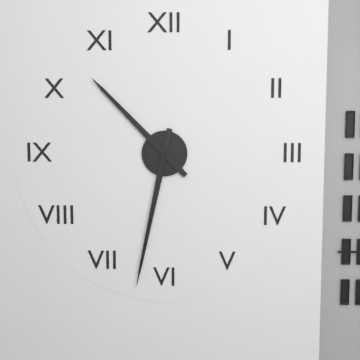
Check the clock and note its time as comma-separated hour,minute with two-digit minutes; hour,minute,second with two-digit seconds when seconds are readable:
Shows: 10,32
